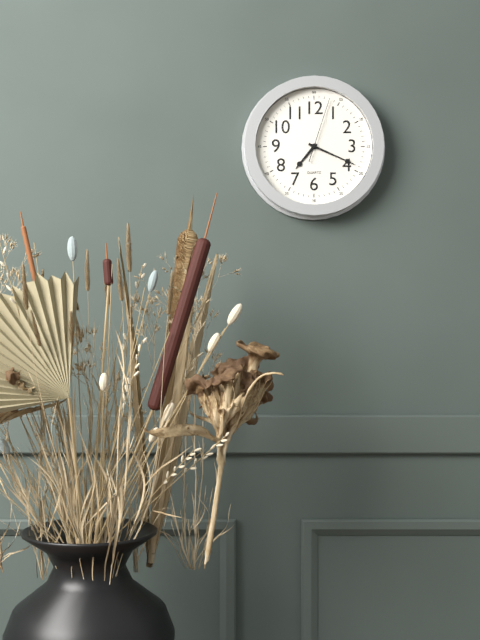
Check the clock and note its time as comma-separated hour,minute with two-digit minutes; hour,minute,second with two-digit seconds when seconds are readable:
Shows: 7,19,03
